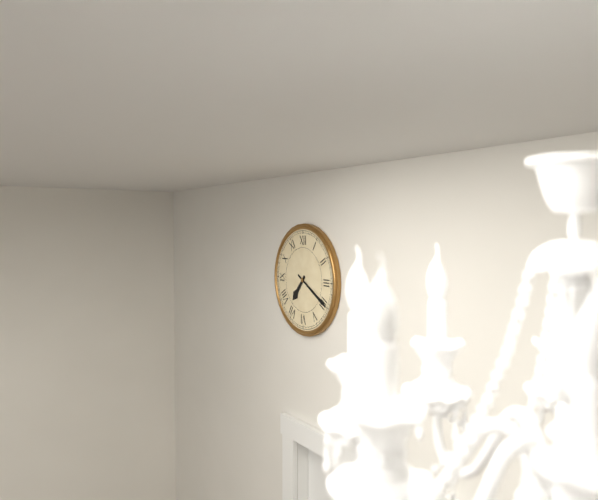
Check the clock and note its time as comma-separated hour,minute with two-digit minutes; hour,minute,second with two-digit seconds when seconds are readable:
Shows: 7,20
